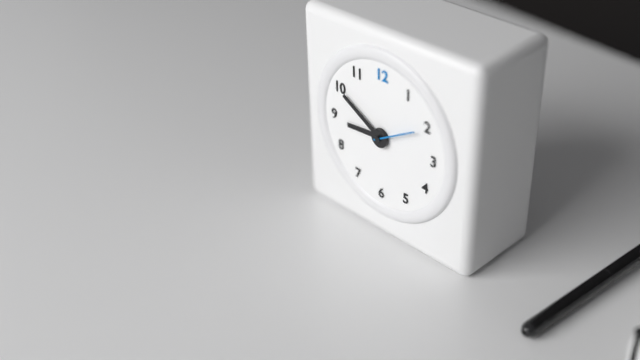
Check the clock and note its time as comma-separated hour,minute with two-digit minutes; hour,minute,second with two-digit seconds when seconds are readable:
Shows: 8,50
